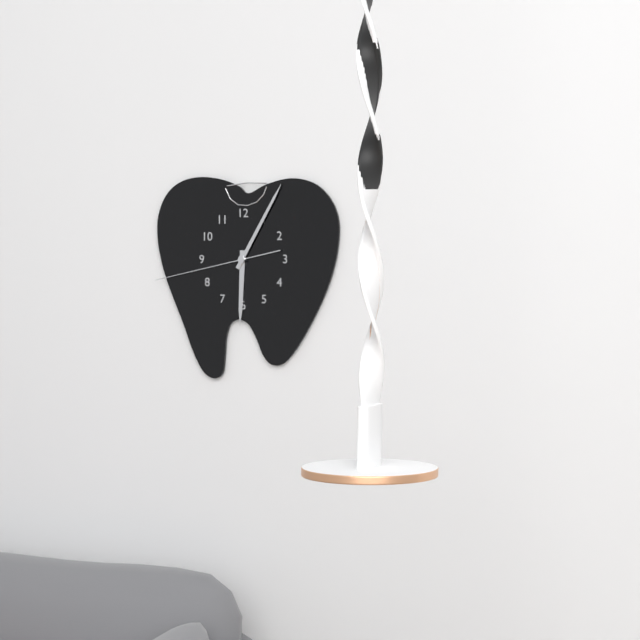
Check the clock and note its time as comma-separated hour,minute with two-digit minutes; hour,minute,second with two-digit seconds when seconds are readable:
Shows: 6,05,43
